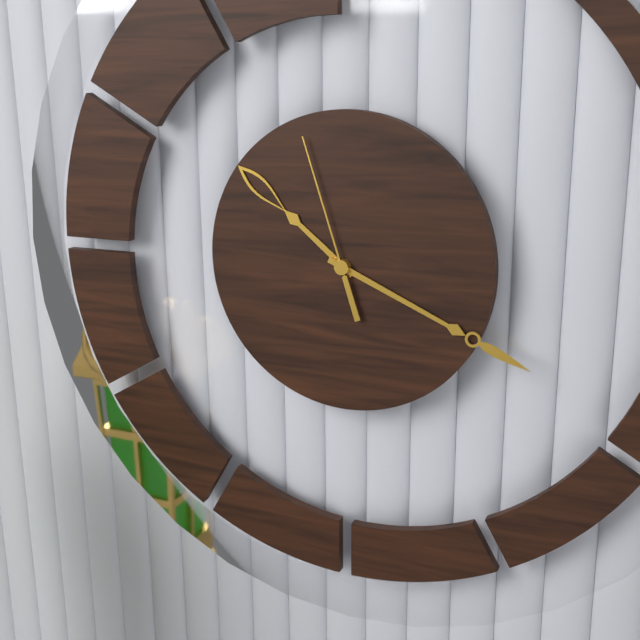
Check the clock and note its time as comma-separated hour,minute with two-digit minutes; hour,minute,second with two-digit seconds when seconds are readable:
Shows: 10,19,57
